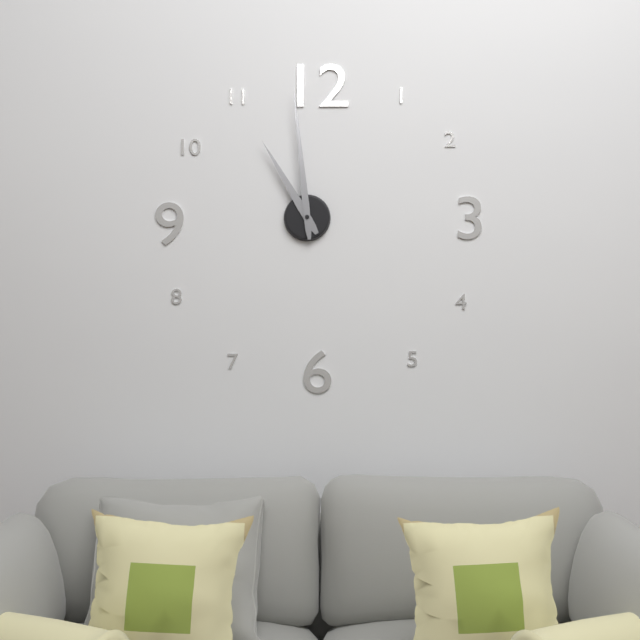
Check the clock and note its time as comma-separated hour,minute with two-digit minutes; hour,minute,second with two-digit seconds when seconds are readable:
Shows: 10,59
